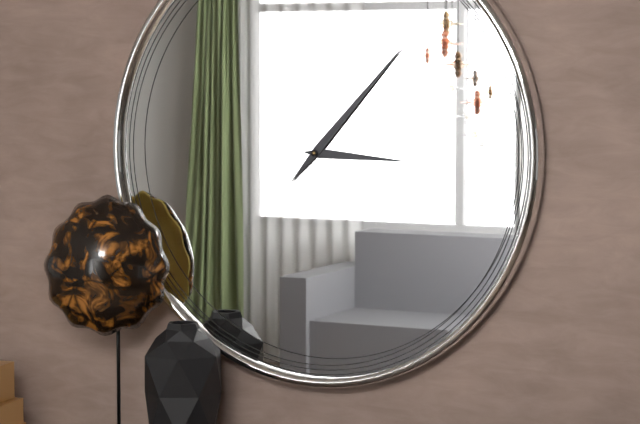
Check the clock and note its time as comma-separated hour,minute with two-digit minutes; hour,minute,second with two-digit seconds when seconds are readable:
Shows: 3,07
